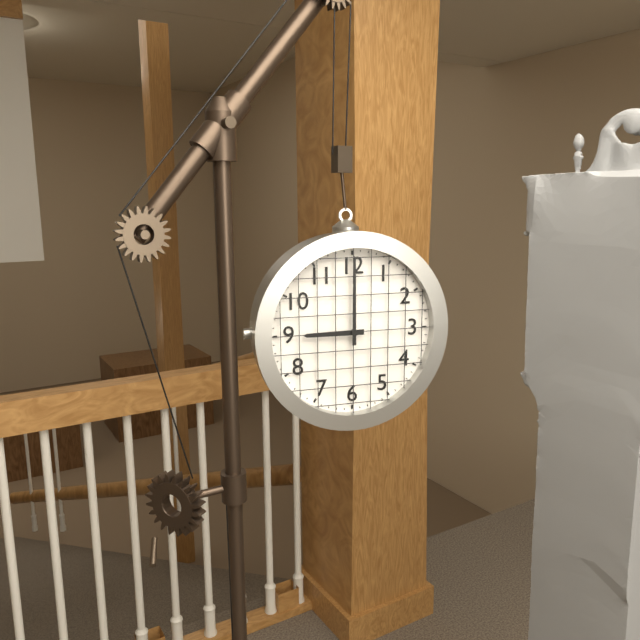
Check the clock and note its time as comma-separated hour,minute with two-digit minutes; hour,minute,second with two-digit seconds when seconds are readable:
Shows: 9,00
